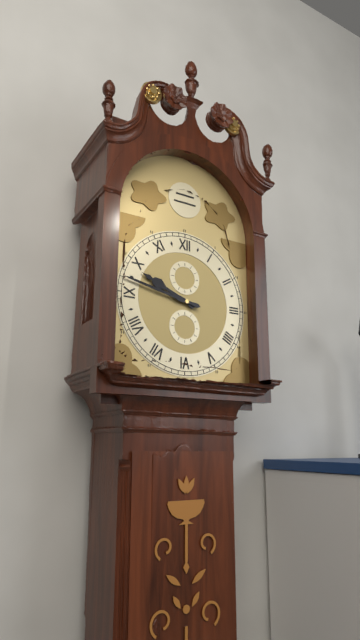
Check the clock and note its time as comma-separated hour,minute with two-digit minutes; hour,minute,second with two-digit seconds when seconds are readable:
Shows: 9,47
